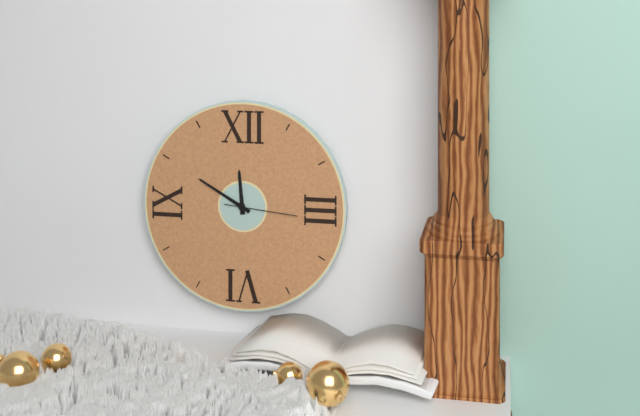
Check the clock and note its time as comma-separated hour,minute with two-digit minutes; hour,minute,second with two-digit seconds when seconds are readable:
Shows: 11,50,16
